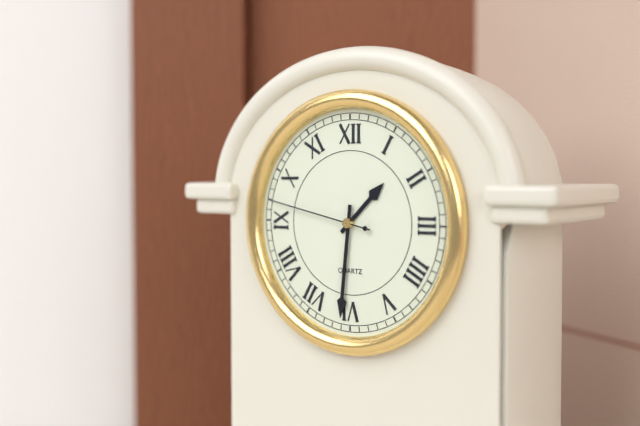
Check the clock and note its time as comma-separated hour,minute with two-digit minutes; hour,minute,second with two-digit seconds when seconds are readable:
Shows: 1,31,47
